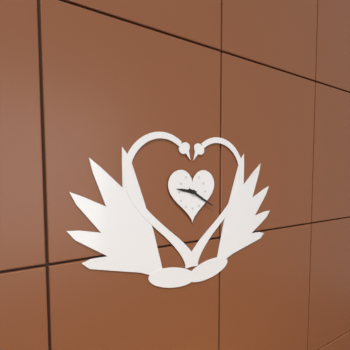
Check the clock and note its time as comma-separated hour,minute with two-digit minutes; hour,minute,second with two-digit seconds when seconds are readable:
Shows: 9,20
